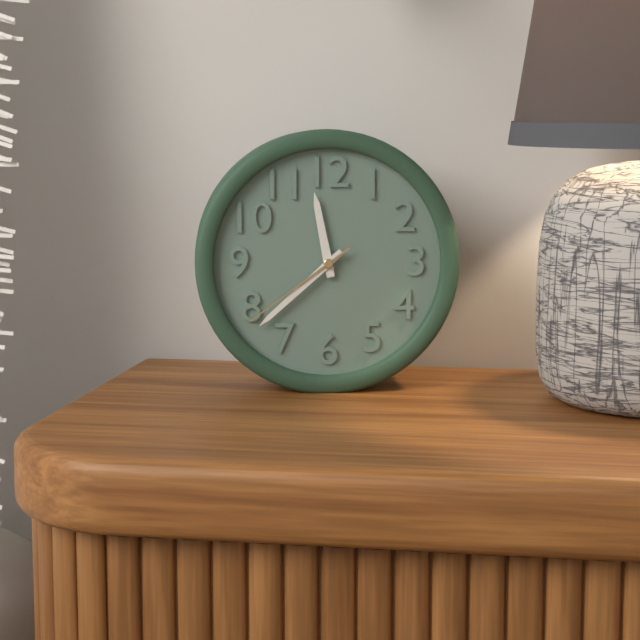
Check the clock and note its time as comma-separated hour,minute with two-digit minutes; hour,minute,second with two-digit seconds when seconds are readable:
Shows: 11,38,39
